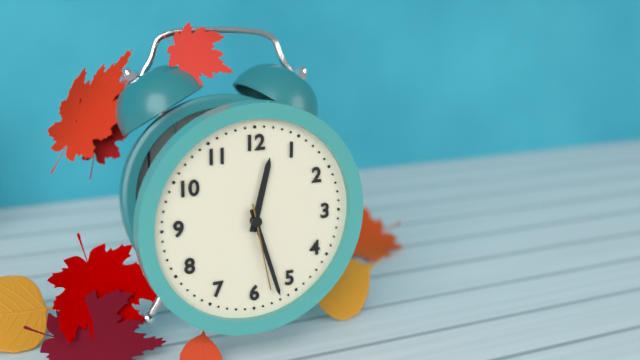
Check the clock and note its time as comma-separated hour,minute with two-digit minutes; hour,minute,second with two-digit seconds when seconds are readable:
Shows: 12,27,28
